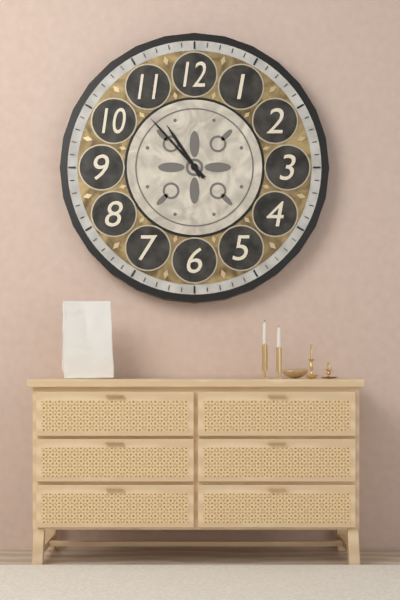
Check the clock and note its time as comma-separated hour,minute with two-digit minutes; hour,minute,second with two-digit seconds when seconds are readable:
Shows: 10,53
